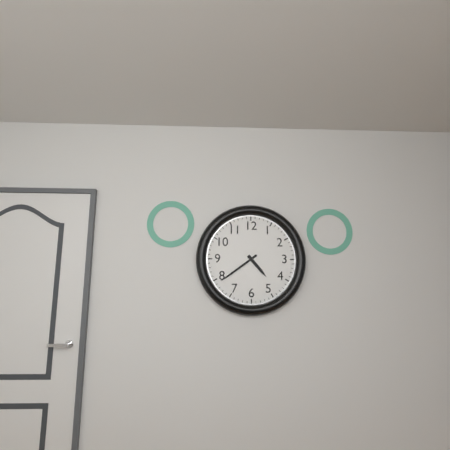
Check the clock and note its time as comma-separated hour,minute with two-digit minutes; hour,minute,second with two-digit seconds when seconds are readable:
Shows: 4,39
